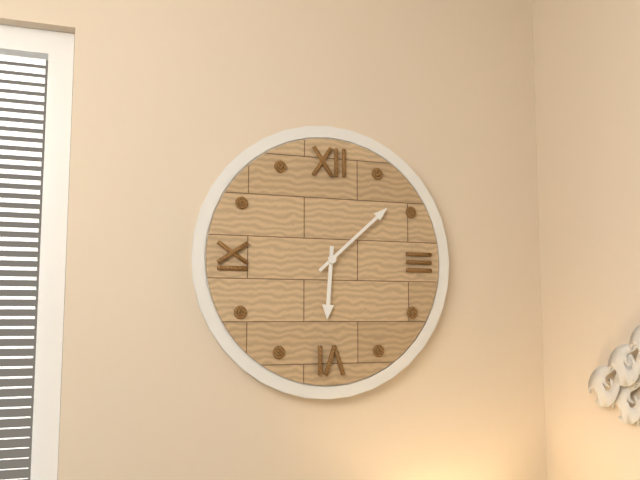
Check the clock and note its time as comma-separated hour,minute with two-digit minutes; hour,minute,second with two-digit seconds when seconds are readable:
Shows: 6,08
